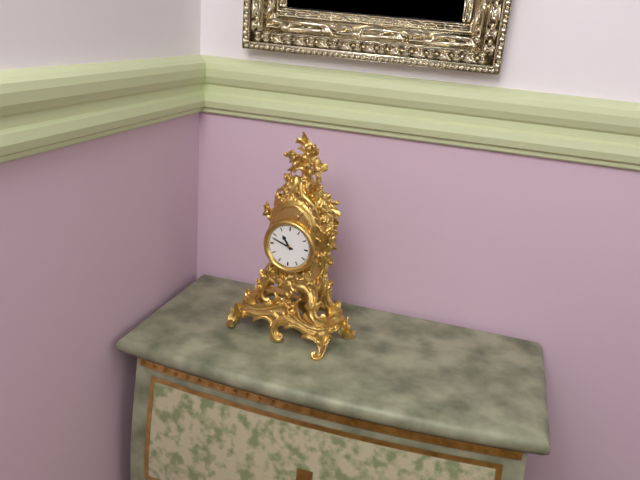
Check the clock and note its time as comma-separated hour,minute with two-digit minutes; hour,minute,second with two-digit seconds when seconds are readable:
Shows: 10,48
